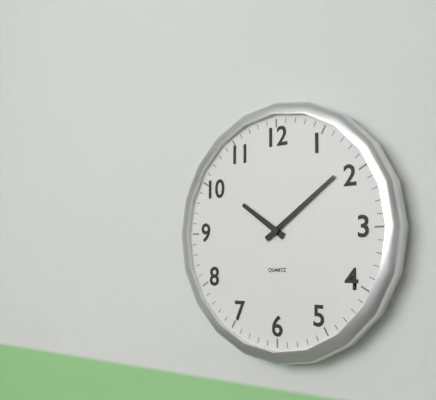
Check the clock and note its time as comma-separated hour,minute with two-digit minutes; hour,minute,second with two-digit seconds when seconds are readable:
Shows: 10,09
